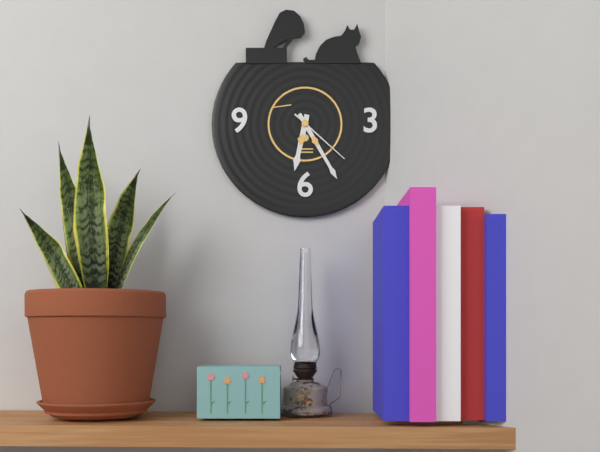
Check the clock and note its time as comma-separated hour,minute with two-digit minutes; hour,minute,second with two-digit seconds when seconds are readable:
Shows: 6,25,22
